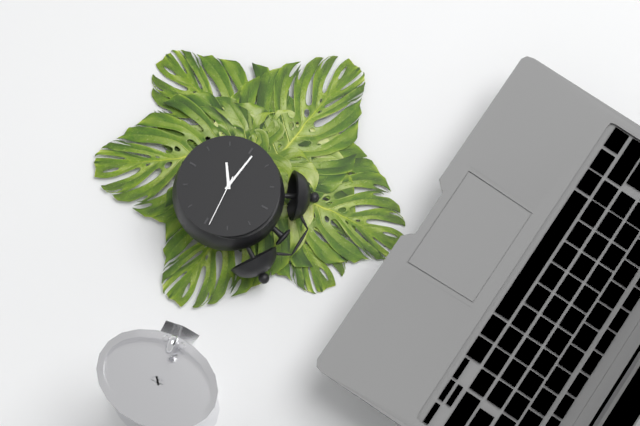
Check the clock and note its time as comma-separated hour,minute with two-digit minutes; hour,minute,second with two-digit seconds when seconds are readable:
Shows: 7,46,14
